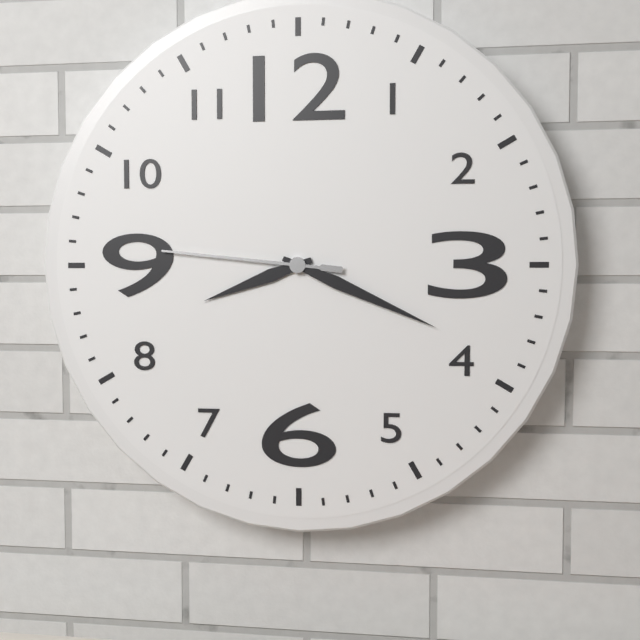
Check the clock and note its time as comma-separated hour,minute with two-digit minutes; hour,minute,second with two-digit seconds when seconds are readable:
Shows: 8,19,46
